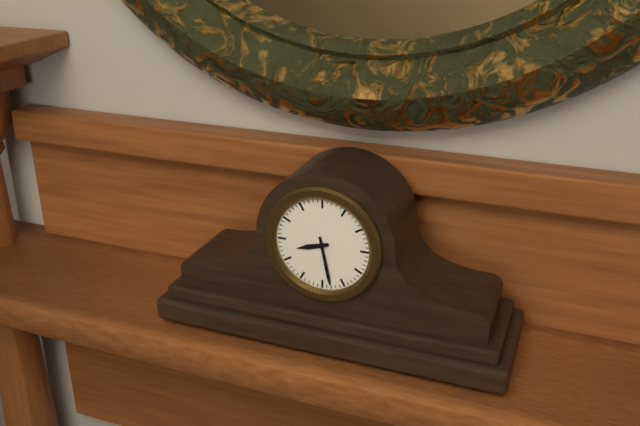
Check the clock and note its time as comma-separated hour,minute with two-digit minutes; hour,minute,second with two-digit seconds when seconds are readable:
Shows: 8,28
